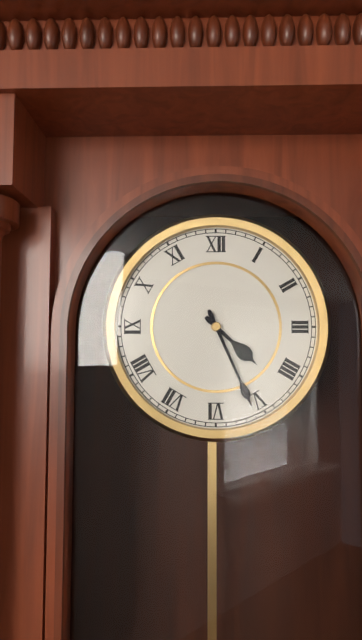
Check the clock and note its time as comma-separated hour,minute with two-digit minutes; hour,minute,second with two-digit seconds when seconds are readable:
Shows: 4,26
